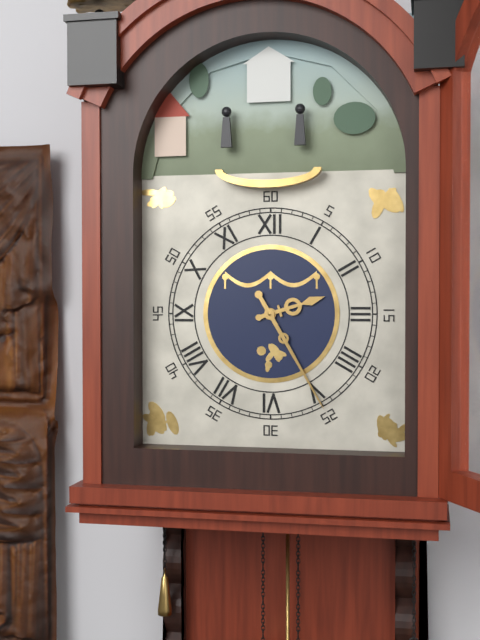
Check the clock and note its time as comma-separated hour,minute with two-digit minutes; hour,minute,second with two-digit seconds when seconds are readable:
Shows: 2,25
